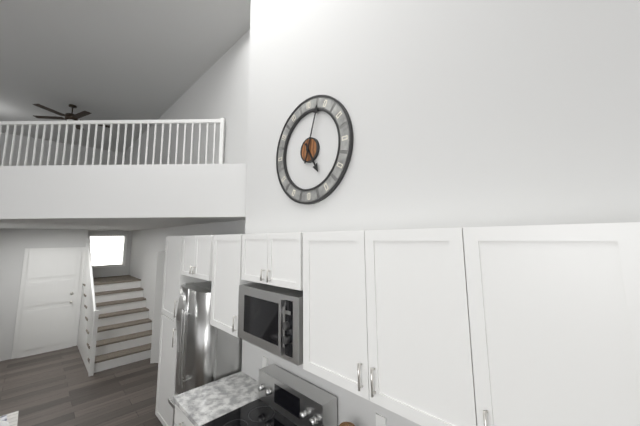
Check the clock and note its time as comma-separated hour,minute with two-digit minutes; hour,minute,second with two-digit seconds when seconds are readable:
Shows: 5,03
